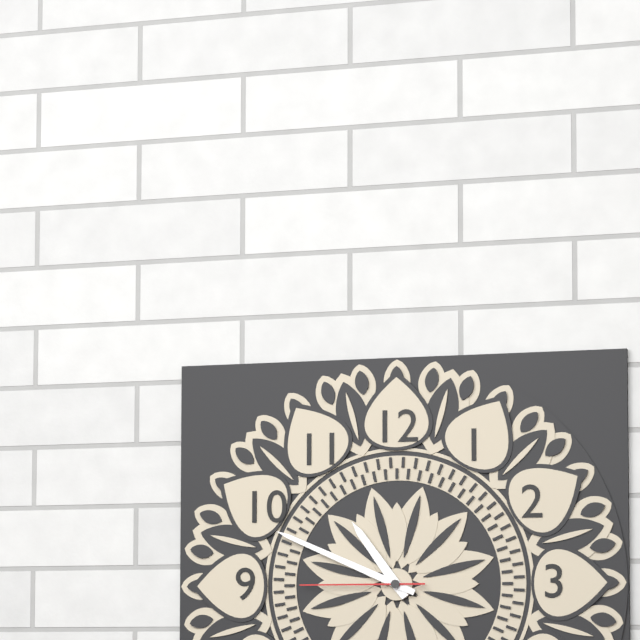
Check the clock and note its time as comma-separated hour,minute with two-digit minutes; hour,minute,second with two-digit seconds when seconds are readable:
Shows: 10,49,45
